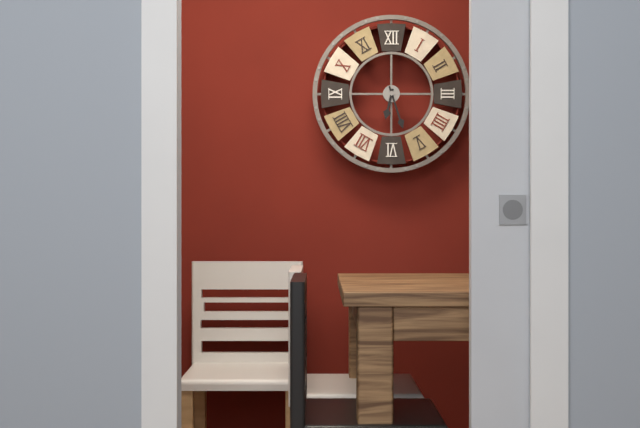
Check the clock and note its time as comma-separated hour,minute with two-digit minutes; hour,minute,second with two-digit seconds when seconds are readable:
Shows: 6,27
